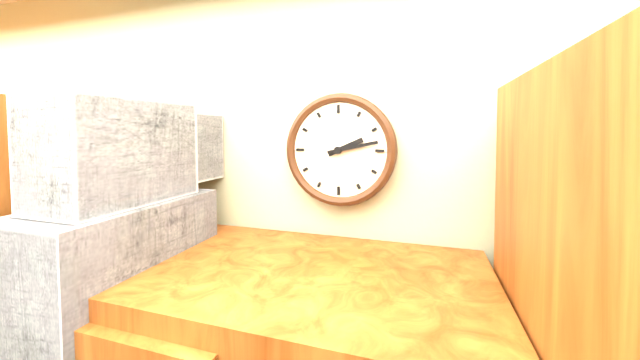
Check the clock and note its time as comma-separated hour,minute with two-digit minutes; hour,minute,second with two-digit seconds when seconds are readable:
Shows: 2,13
